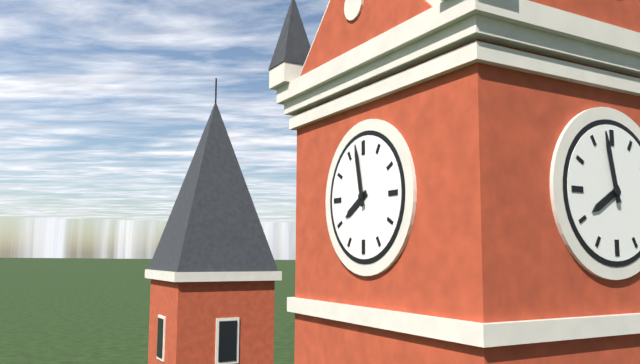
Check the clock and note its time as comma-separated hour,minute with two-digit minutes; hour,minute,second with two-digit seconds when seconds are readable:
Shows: 7,58
